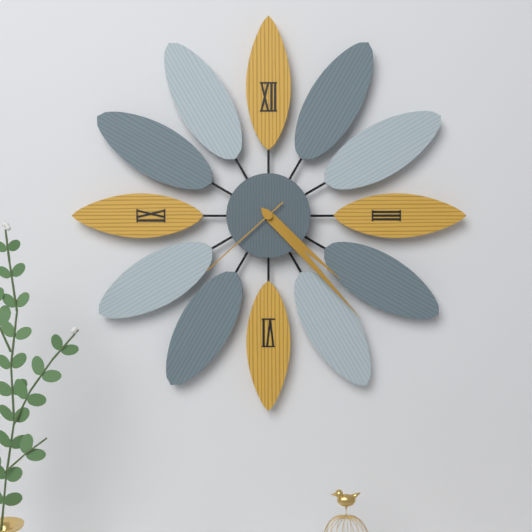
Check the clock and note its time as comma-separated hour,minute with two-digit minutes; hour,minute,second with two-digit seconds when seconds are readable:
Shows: 4,23,38
